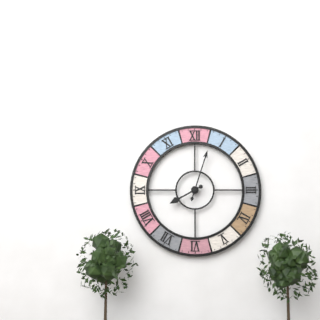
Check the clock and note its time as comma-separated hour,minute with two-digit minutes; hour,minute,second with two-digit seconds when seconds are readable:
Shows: 8,03
